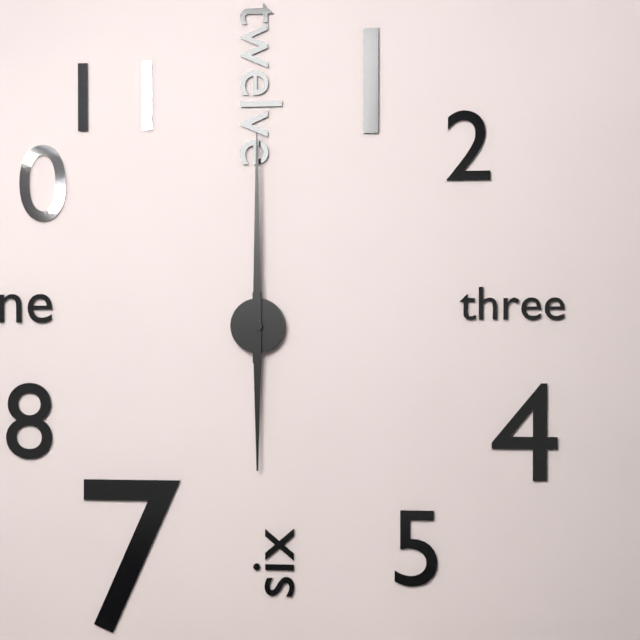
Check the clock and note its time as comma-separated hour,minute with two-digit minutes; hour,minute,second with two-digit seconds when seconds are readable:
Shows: 6,00
